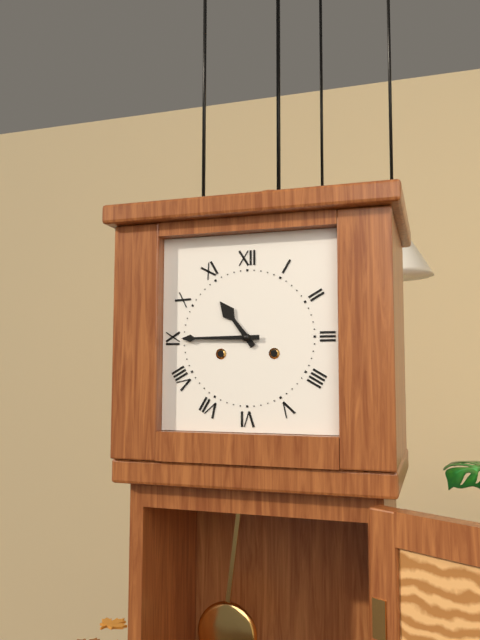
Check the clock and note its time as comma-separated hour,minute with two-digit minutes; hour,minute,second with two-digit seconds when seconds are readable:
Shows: 10,45
